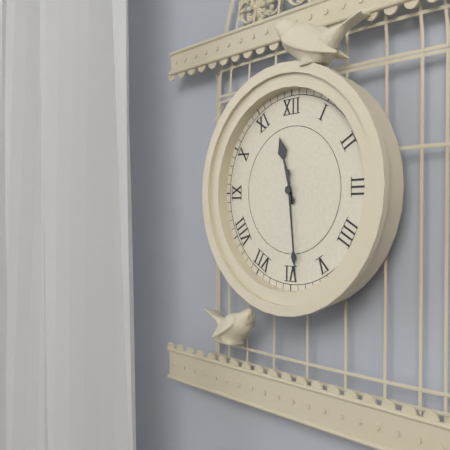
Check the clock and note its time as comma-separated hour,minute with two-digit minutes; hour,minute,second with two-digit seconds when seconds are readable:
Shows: 11,29
